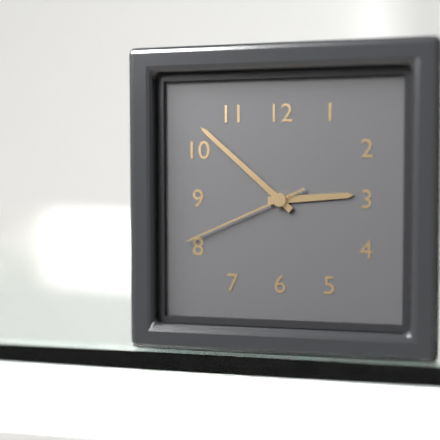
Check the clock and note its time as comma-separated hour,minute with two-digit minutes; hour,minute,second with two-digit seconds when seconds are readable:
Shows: 2,52,41
